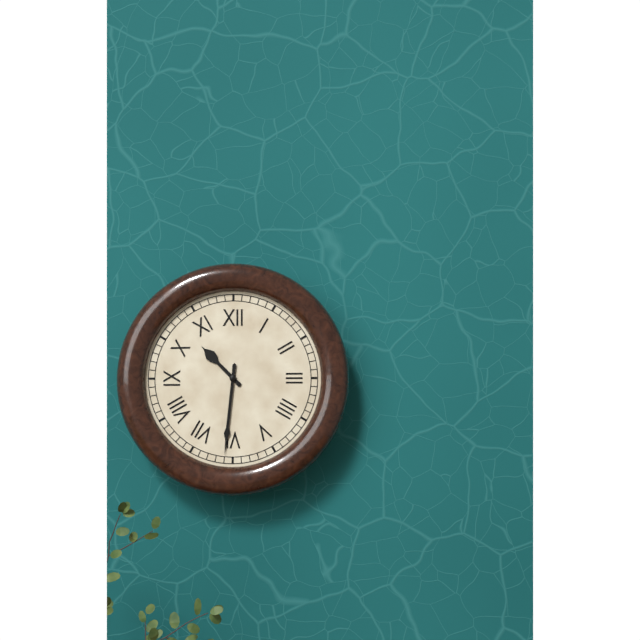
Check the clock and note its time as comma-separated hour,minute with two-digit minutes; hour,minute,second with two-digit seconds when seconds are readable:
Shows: 10,31
